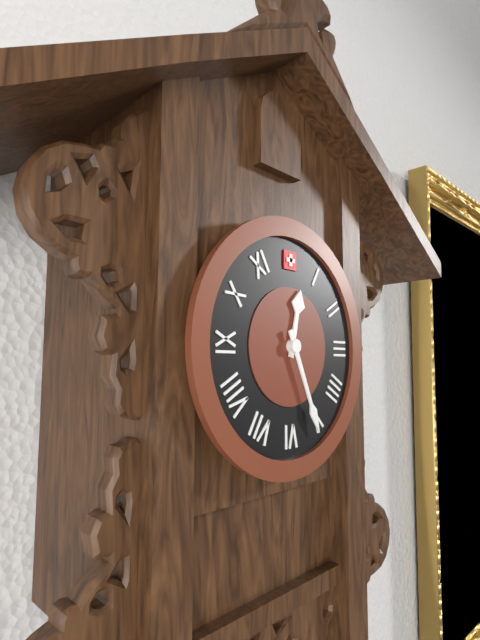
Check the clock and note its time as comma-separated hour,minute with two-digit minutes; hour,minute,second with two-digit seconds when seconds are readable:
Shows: 12,26
